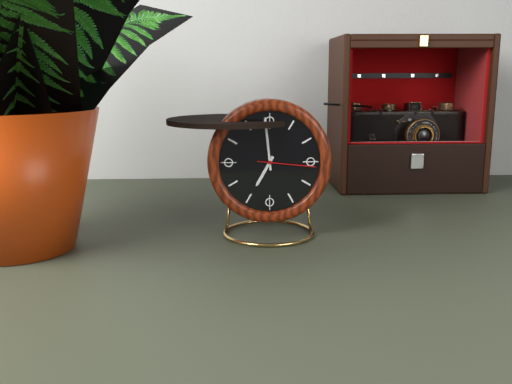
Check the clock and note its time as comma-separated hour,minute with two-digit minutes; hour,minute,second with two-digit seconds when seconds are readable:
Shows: 6,59,16
